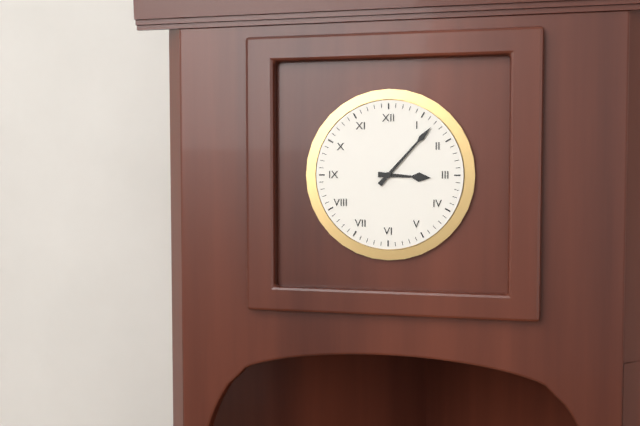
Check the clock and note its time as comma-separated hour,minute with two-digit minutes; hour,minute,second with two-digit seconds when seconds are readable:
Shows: 3,07
